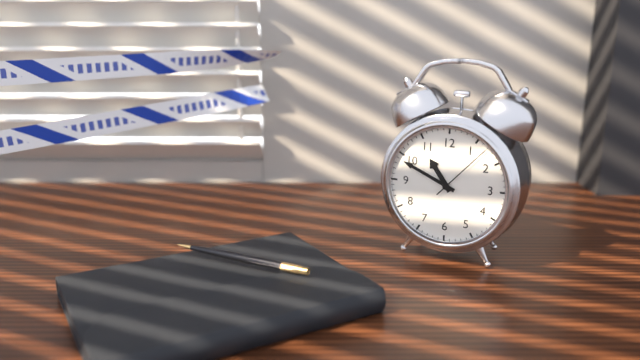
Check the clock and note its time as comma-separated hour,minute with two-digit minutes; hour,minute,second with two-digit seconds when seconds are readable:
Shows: 10,49,07
